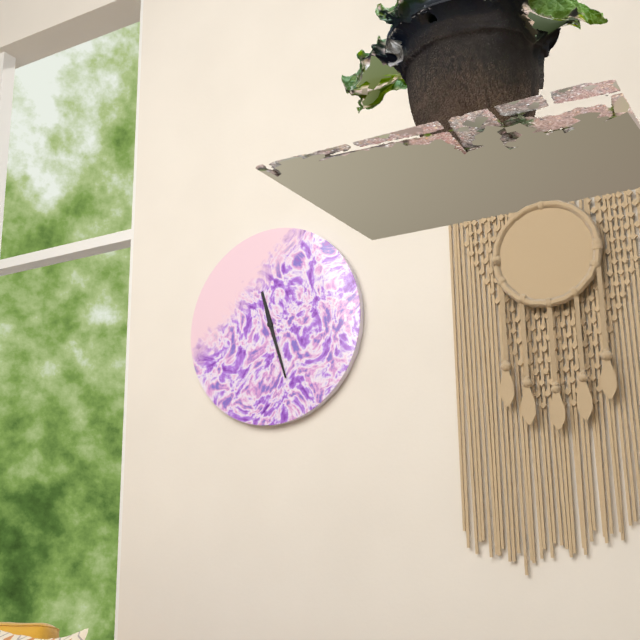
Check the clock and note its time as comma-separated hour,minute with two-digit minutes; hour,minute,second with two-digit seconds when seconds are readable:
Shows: 11,27
